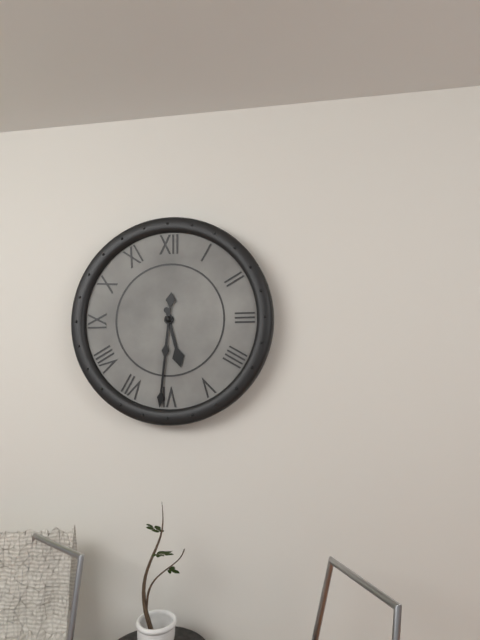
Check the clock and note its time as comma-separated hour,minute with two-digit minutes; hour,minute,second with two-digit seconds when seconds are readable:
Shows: 5,31
